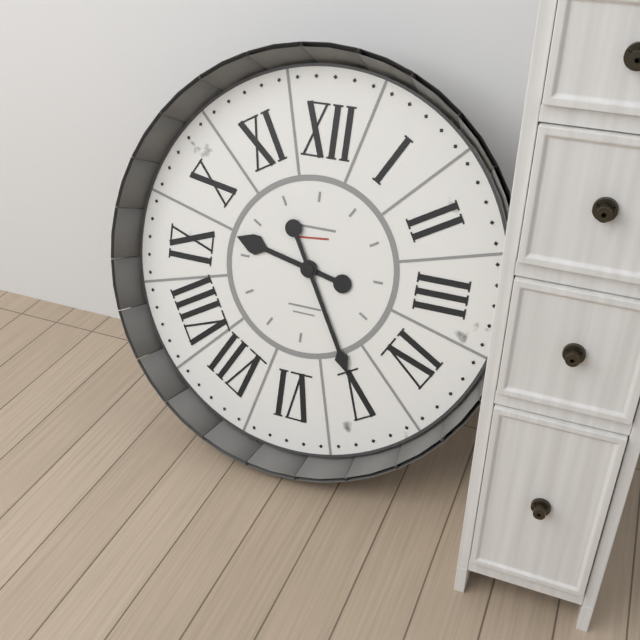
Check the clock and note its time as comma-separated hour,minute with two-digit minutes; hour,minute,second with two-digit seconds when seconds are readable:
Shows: 9,25
